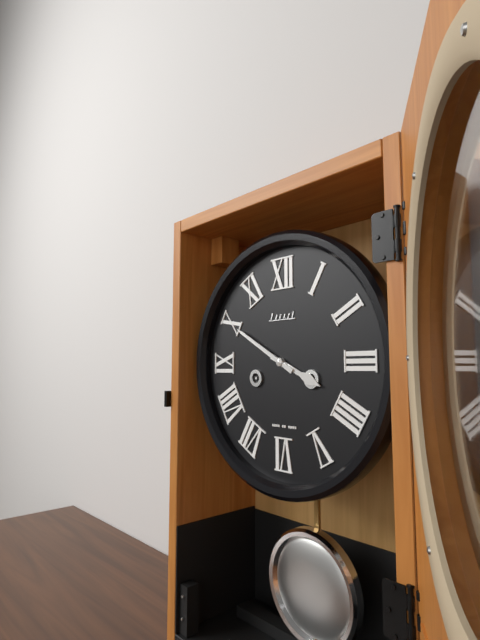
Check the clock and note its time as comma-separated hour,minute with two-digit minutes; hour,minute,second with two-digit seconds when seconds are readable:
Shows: 3,50
